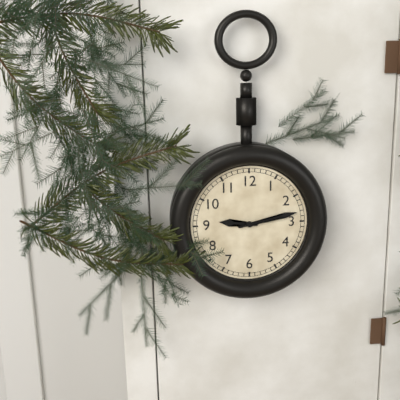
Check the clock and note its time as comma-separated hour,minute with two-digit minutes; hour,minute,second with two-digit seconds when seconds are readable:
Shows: 9,13
